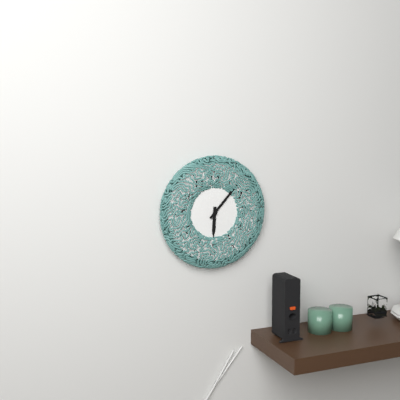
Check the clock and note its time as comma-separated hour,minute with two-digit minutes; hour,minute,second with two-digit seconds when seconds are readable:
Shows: 6,07
